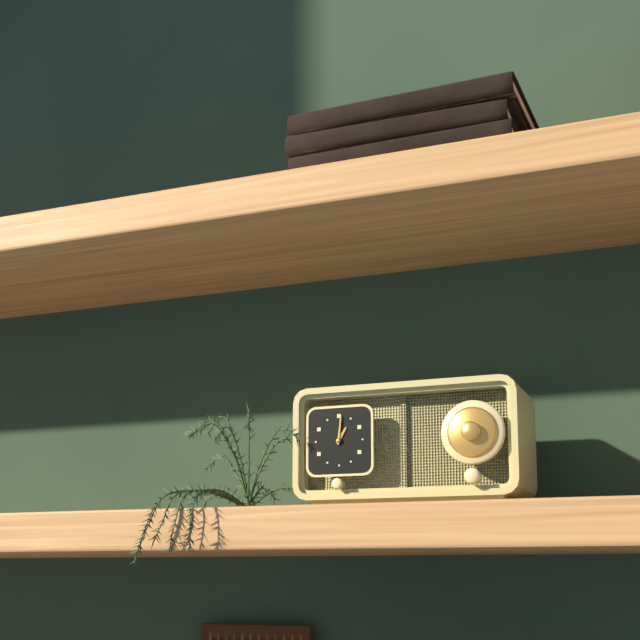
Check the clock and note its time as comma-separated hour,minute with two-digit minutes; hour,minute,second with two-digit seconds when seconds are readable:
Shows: 1,01
